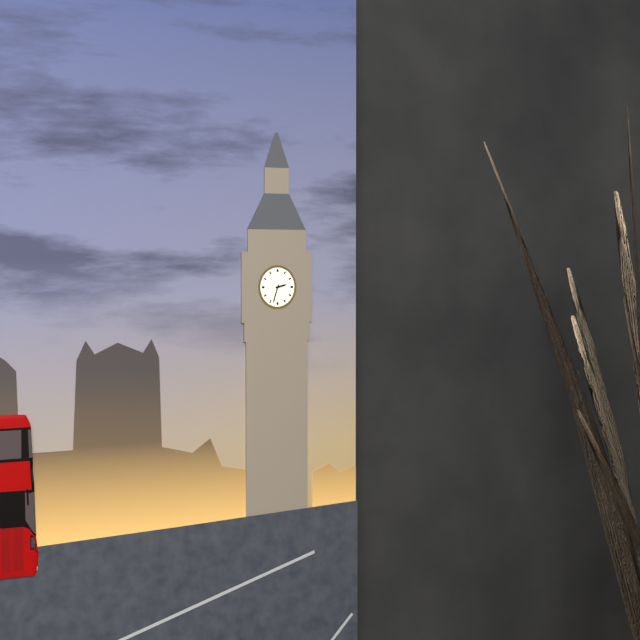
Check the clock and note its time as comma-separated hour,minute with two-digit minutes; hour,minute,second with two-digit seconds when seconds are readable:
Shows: 2,33
